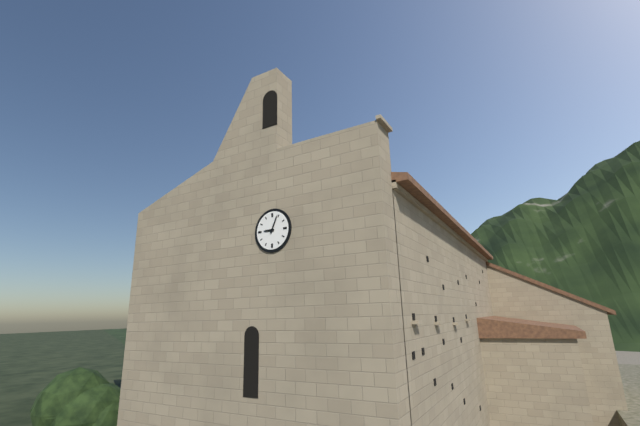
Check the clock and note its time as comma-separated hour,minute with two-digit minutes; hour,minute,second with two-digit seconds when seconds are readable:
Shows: 9,04
